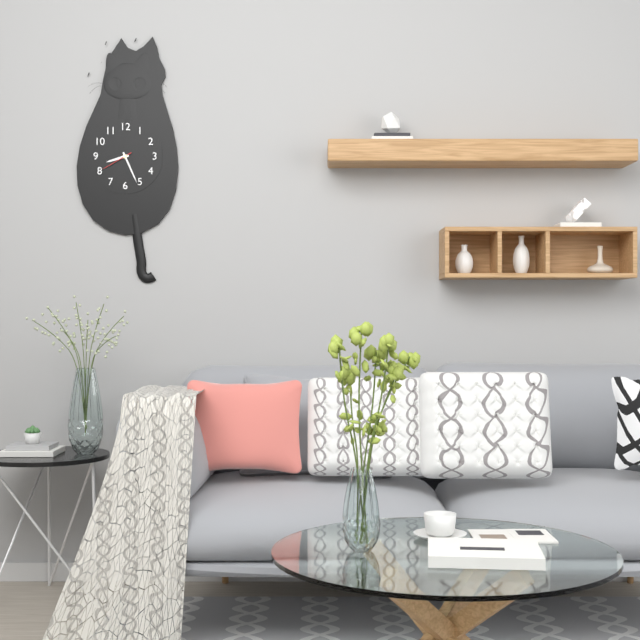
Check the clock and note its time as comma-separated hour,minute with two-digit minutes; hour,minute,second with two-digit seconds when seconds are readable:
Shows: 8,26
